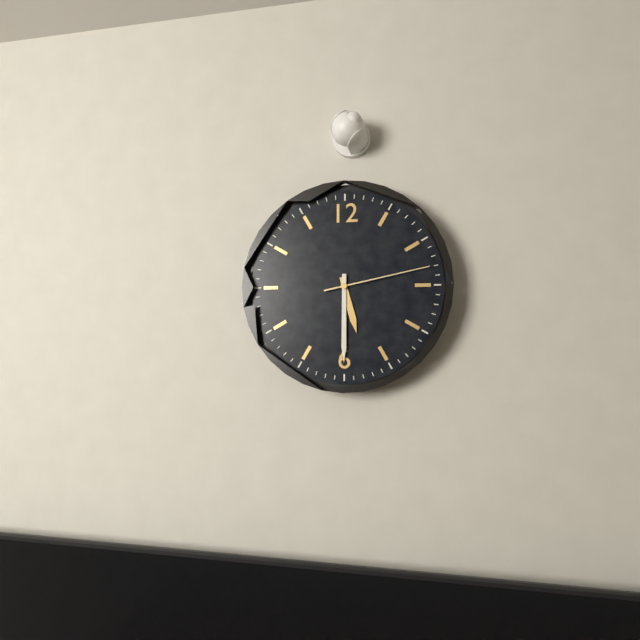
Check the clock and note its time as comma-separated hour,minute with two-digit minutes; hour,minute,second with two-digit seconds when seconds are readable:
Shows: 5,30,13
